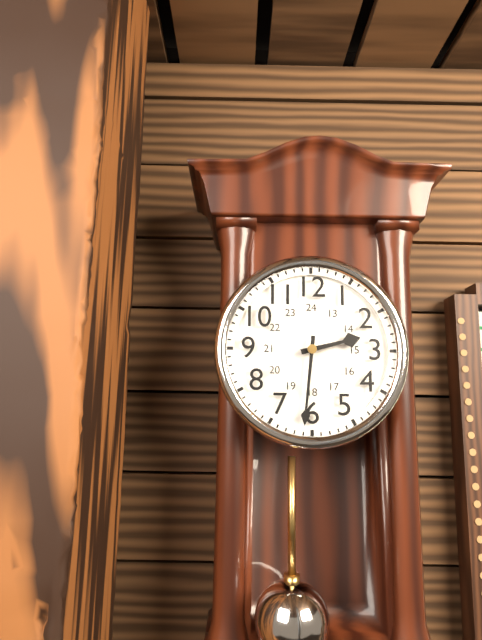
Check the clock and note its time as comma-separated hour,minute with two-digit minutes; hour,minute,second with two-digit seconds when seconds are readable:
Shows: 2,31
